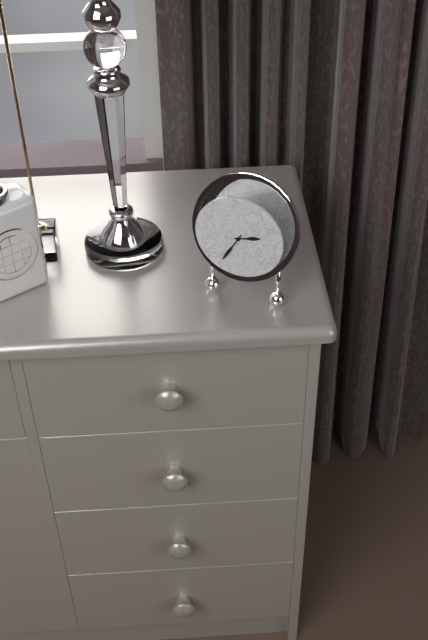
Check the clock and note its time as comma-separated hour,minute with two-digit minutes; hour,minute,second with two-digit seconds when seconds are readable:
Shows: 2,35
